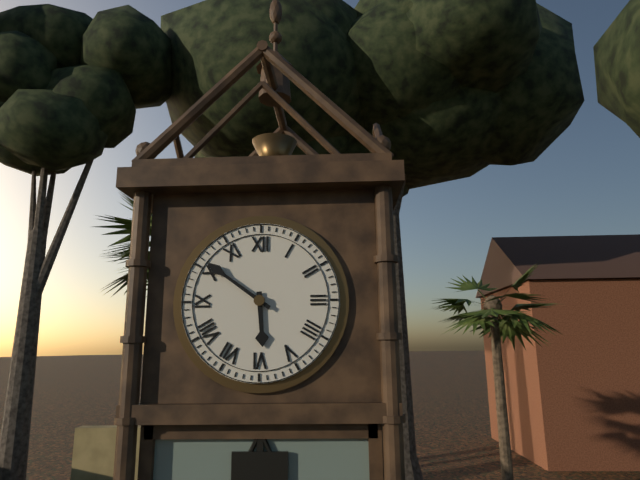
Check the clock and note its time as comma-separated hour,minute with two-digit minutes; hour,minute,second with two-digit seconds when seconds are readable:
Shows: 5,51
